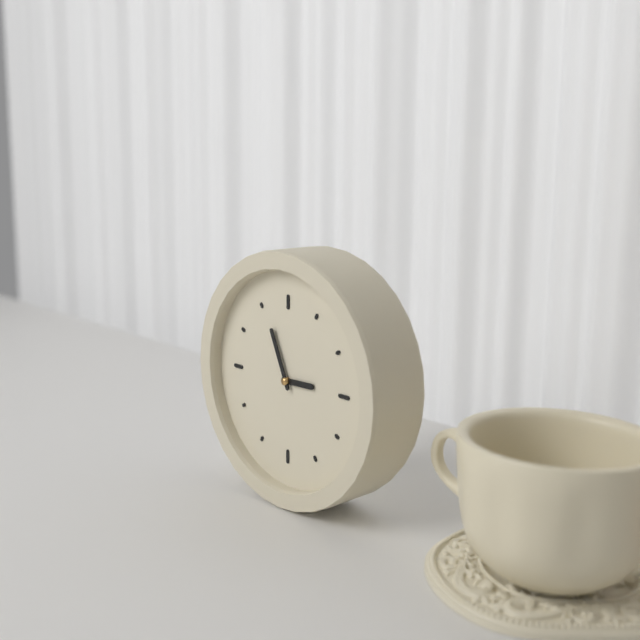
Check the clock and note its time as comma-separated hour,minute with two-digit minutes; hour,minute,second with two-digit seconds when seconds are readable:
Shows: 2,56
